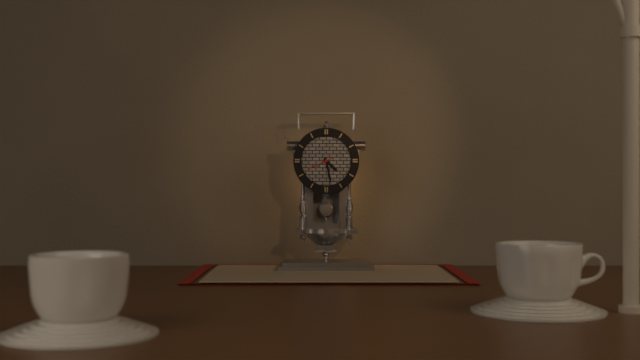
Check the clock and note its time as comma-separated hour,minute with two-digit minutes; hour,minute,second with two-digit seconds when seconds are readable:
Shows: 4,28
